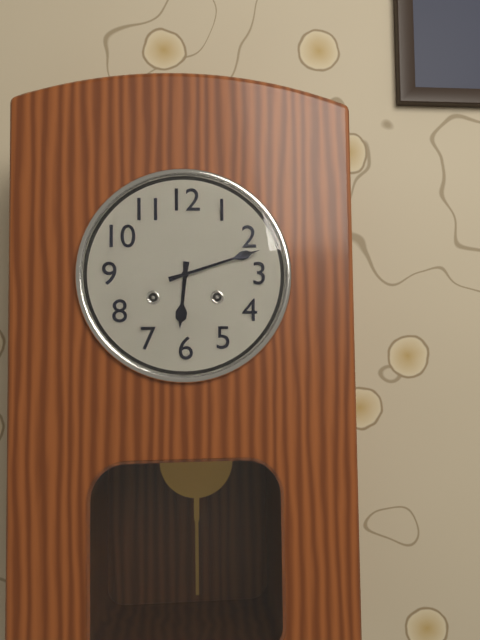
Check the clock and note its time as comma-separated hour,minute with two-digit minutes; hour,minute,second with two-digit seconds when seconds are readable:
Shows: 6,12
